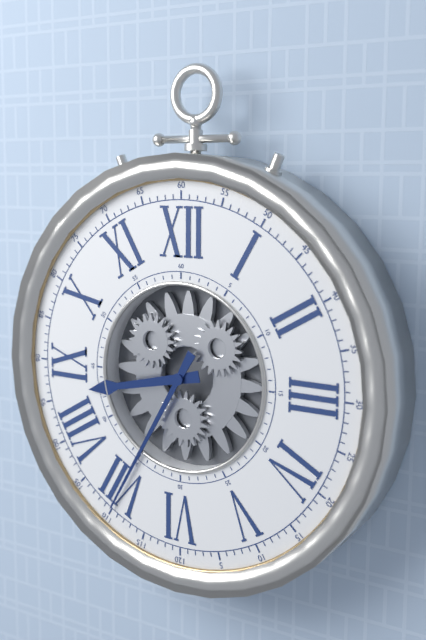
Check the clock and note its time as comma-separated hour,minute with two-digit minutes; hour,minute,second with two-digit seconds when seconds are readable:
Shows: 8,35
